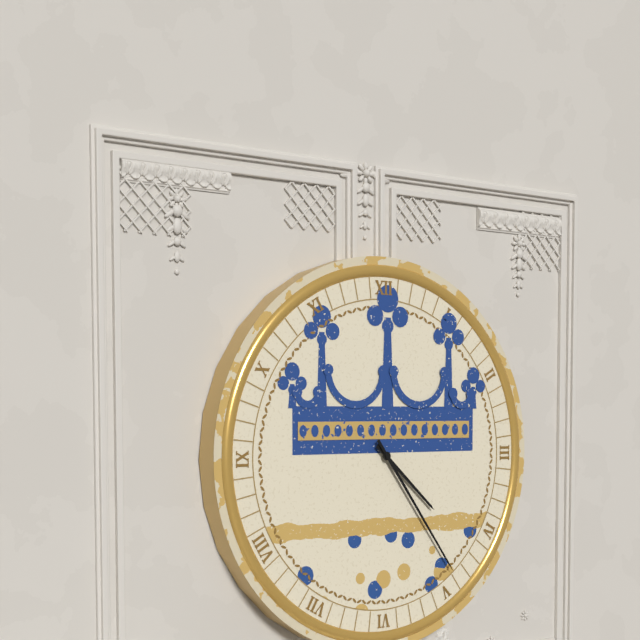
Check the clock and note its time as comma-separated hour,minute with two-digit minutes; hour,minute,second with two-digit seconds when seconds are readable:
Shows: 4,24
